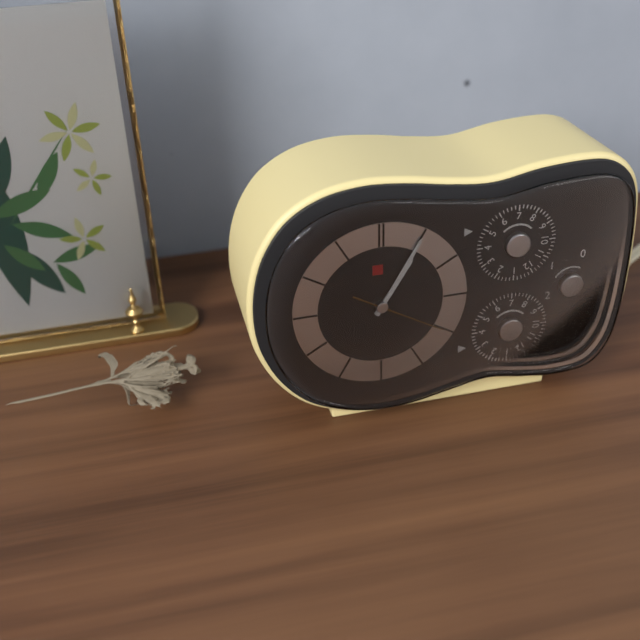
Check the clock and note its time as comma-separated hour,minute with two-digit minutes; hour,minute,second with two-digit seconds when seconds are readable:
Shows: 1,05,20
